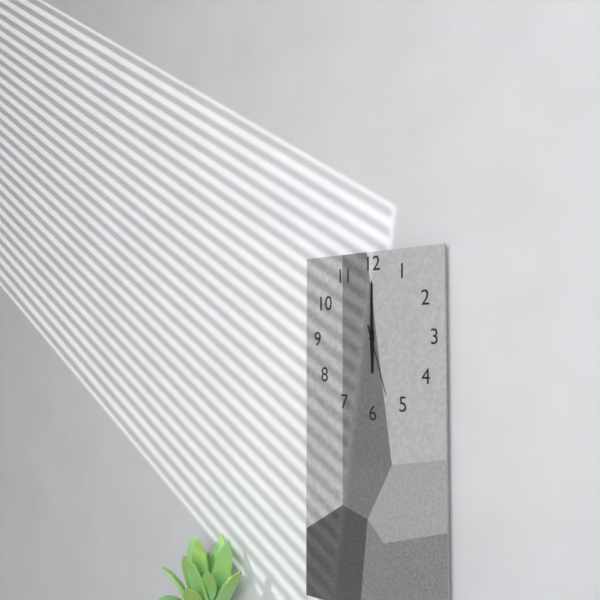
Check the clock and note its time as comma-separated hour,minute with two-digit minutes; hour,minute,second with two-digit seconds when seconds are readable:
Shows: 6,00,27
